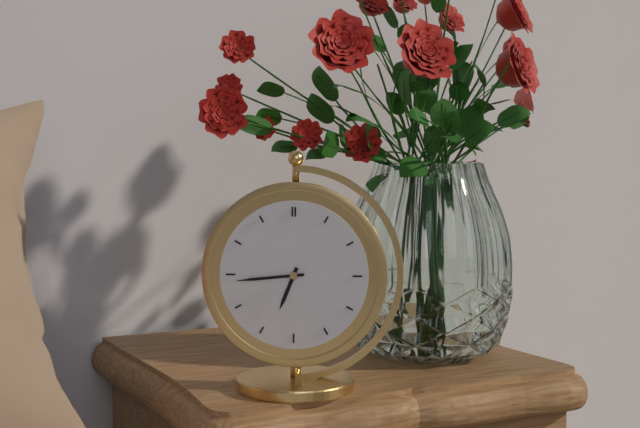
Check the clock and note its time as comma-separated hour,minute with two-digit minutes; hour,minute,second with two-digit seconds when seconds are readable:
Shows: 6,44
